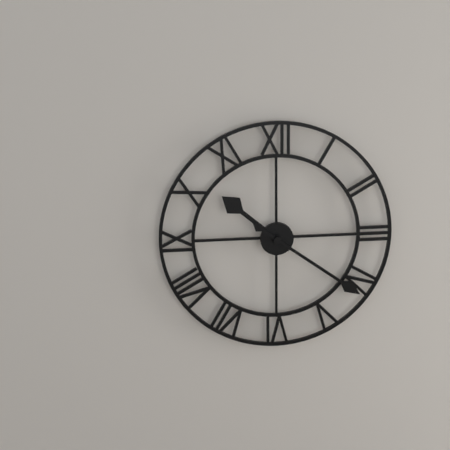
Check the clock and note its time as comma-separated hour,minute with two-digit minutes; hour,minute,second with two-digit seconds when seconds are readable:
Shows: 10,21
